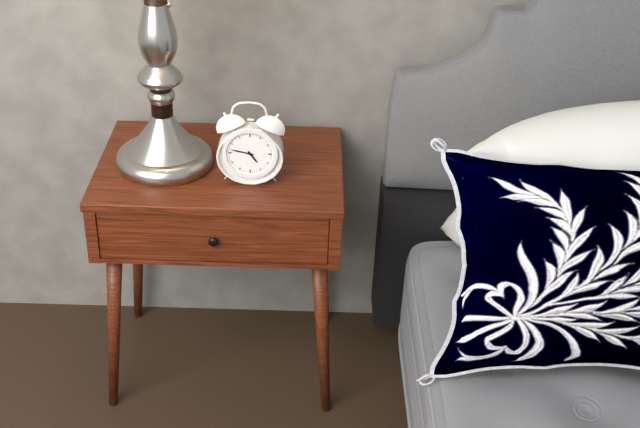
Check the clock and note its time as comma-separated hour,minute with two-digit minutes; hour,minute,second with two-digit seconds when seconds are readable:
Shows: 4,47
